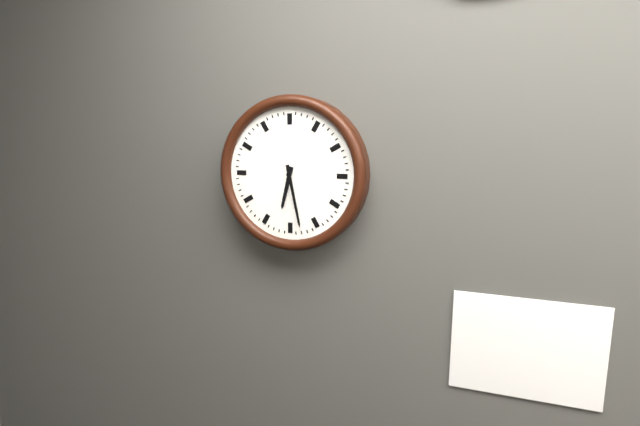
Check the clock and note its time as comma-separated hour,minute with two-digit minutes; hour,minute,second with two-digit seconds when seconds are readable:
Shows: 6,28
